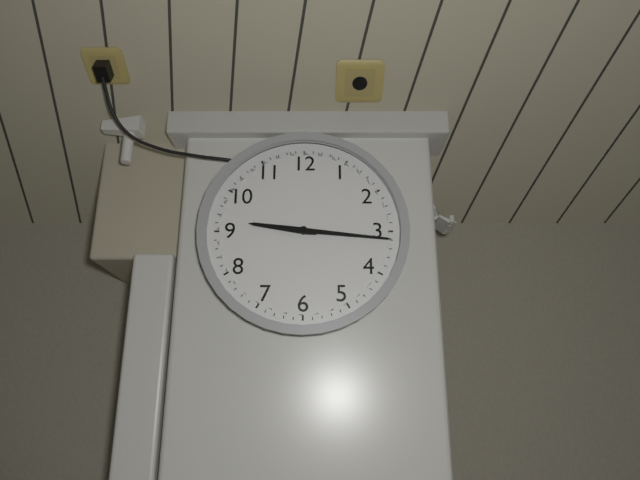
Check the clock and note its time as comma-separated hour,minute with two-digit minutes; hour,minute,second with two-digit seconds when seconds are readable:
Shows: 9,16
